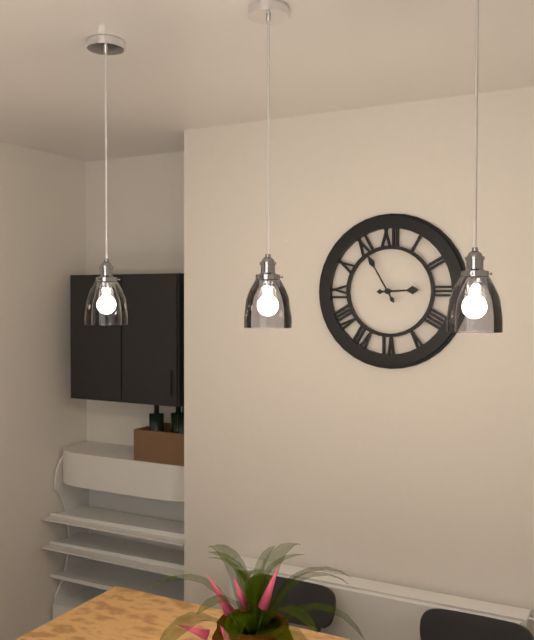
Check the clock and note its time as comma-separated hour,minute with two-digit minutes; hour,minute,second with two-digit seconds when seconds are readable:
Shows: 2,55
